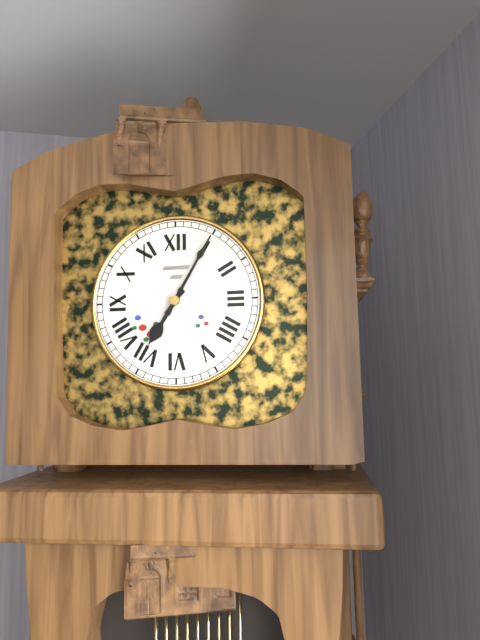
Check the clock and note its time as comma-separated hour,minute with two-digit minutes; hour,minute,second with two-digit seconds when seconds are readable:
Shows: 7,05
